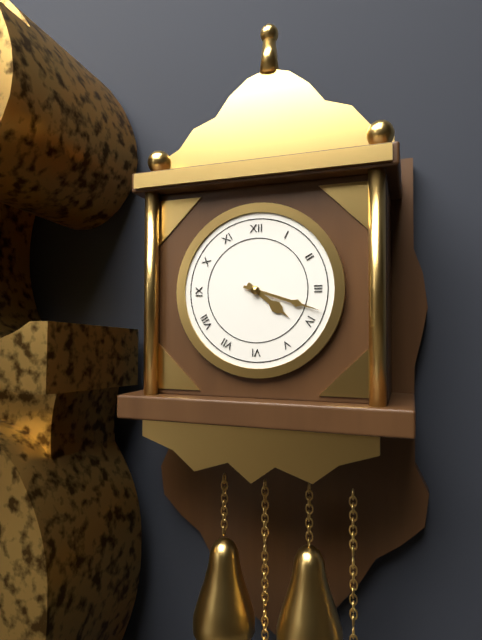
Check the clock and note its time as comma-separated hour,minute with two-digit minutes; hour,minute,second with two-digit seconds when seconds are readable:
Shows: 4,18
